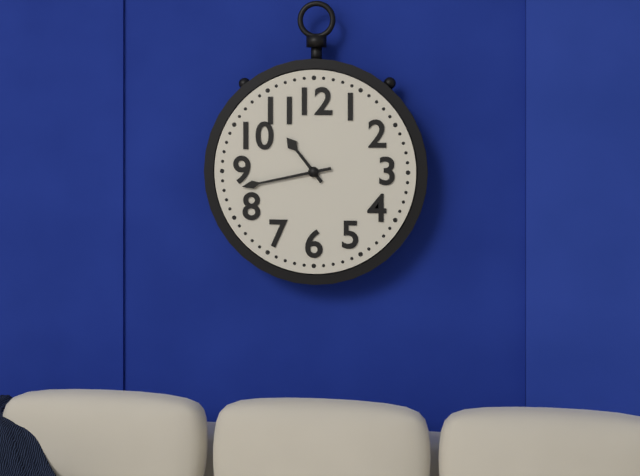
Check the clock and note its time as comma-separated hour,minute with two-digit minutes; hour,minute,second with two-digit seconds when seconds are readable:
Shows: 10,43
